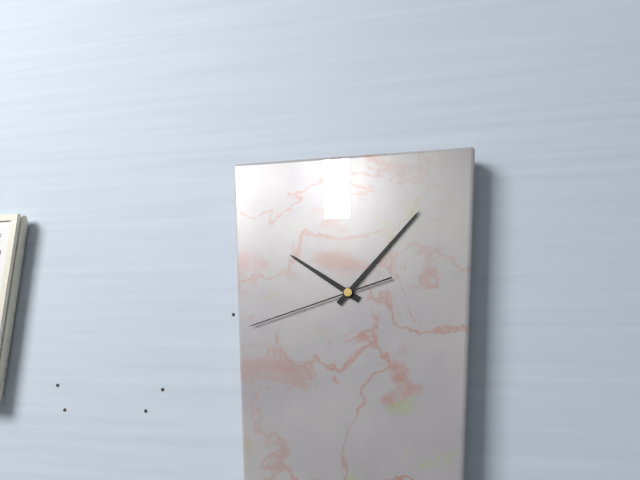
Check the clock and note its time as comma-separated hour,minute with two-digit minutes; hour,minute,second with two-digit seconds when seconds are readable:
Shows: 10,07,42
